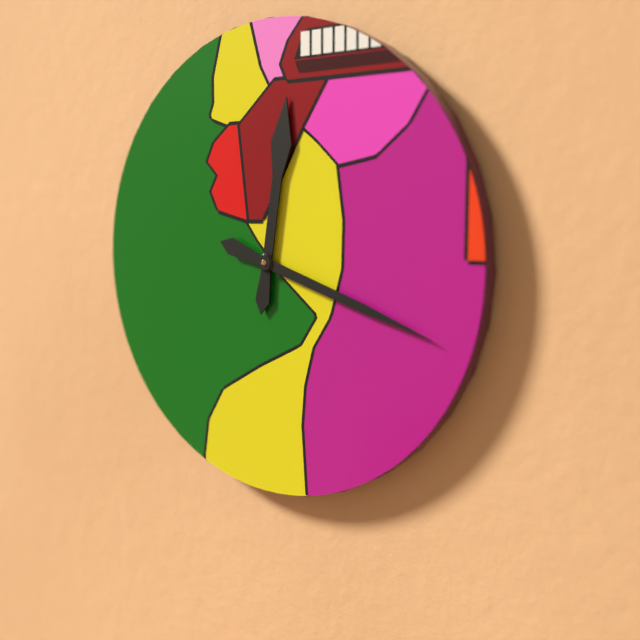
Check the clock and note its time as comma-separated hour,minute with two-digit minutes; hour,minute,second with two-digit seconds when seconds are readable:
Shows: 12,18
